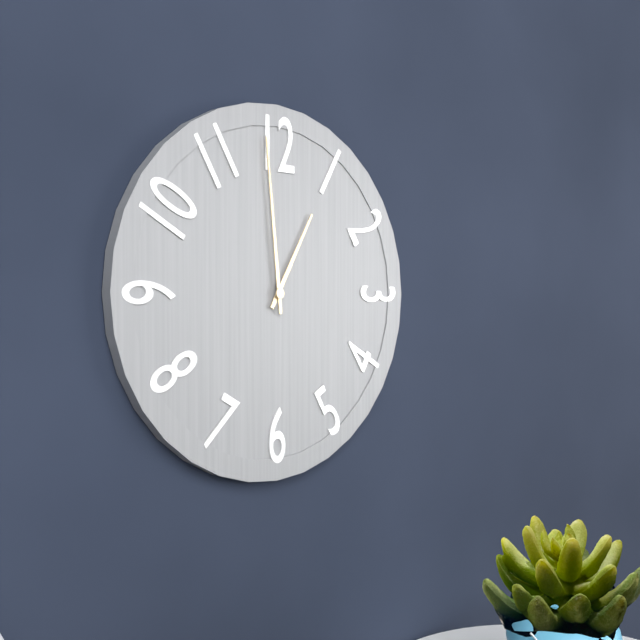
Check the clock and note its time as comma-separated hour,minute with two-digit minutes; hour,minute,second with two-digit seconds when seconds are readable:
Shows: 12,59
